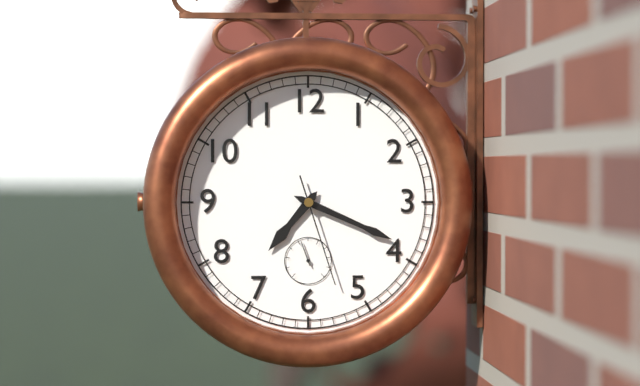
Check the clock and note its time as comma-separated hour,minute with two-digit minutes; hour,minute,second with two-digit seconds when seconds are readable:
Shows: 7,19,27
